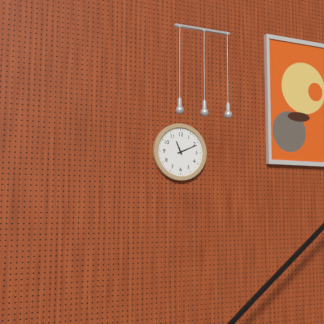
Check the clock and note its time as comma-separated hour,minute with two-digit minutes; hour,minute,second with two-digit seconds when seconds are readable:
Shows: 11,11
